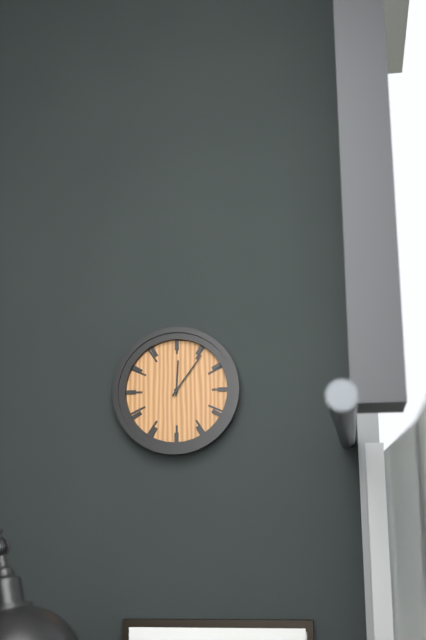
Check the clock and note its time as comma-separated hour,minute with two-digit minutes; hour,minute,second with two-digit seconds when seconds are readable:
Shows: 12,06
